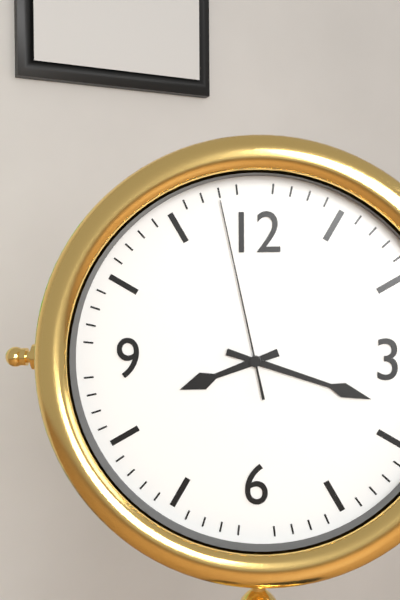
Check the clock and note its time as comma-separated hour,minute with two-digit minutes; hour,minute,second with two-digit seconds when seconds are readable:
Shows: 8,18,58
